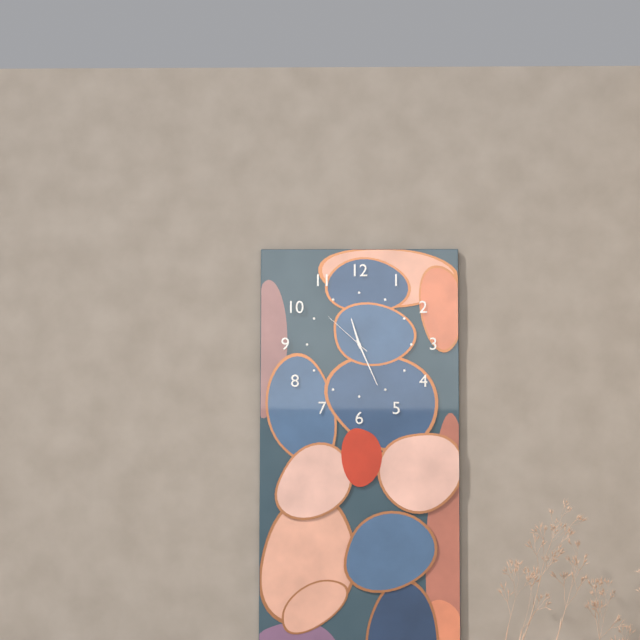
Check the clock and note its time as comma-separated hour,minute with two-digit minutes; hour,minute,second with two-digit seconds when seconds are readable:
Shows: 11,26,52
